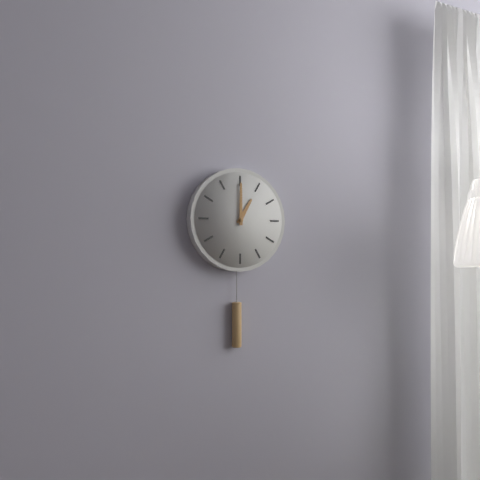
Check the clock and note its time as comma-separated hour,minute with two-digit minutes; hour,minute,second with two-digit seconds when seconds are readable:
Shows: 1,00
